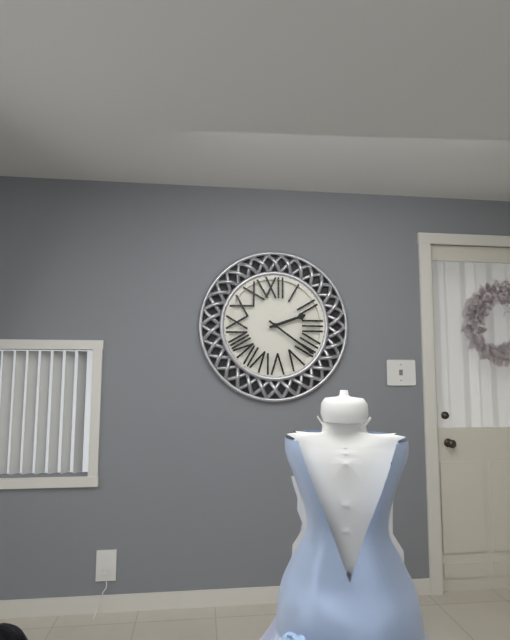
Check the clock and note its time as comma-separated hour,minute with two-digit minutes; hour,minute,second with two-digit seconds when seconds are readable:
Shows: 2,21
